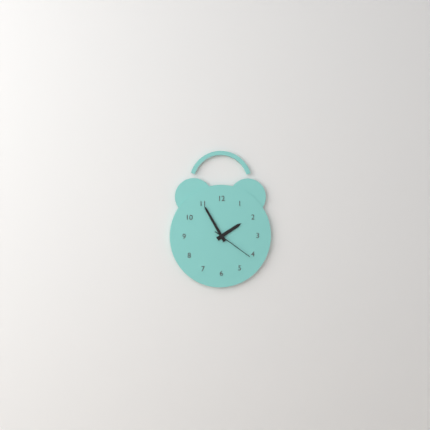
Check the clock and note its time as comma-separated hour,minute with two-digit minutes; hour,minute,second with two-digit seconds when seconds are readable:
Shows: 1,55
